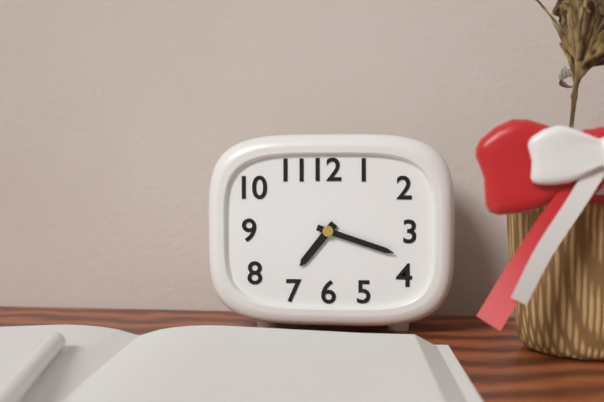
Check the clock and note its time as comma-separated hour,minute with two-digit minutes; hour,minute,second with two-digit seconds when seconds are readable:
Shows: 7,18
